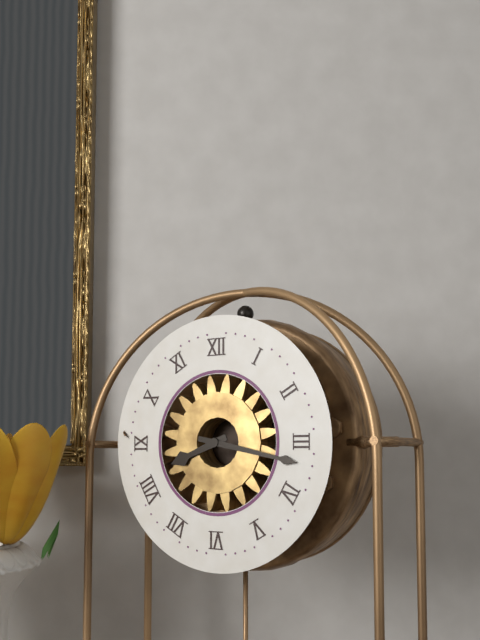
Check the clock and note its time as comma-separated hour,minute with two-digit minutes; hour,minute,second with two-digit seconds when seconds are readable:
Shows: 8,17
